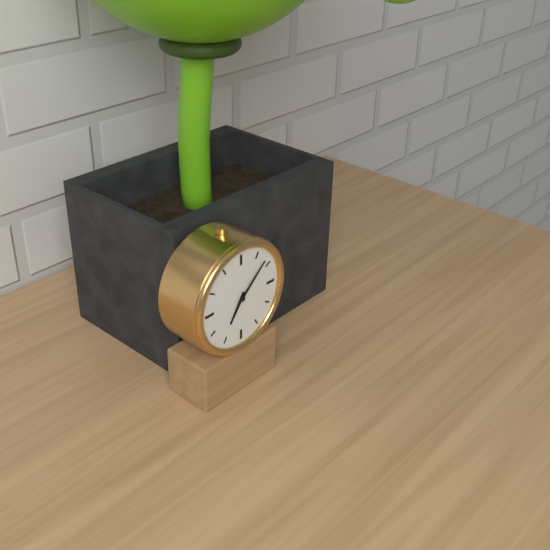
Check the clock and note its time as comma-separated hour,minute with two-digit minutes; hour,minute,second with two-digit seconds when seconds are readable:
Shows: 7,08
